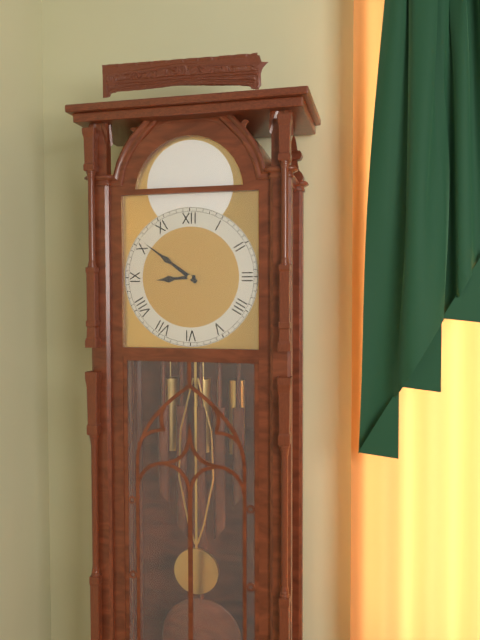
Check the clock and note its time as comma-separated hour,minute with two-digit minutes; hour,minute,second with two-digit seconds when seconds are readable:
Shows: 8,51
